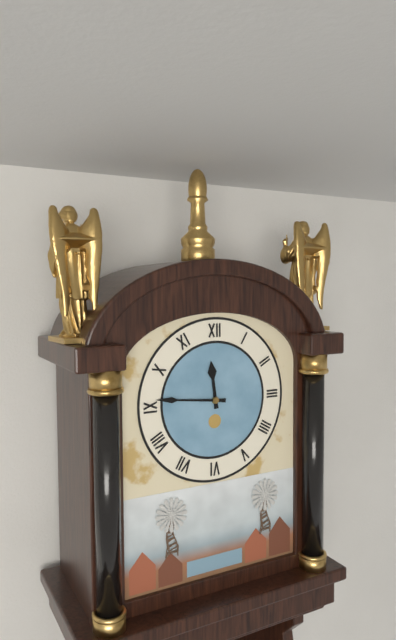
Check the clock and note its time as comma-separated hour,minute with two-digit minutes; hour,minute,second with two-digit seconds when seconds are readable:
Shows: 11,46
